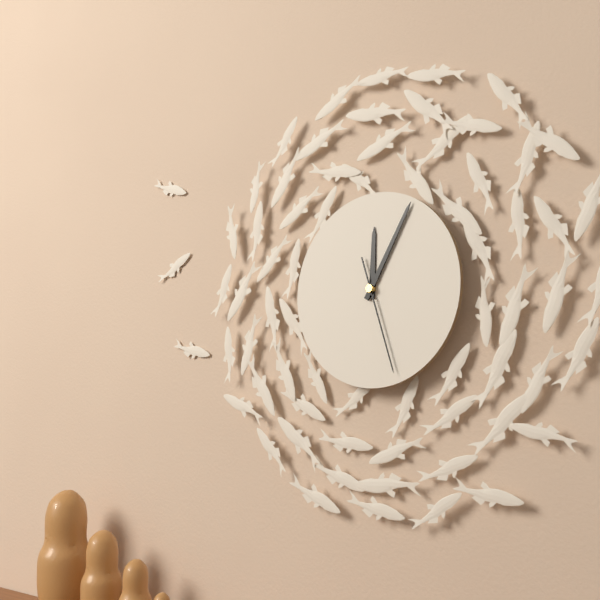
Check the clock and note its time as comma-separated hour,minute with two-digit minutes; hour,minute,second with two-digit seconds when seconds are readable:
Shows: 12,05,27
